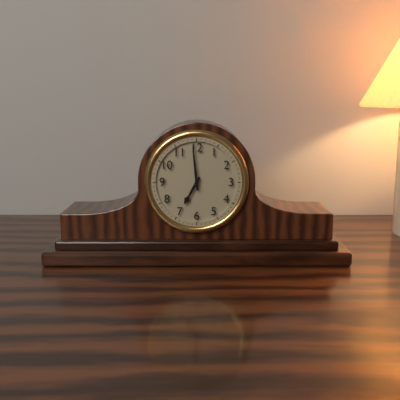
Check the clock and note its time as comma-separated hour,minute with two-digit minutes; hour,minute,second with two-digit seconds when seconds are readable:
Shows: 6,59
